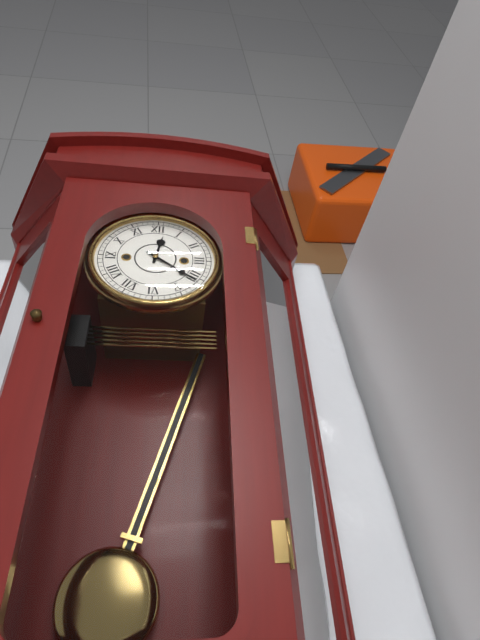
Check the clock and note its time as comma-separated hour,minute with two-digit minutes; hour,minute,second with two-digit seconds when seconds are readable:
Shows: 12,21
